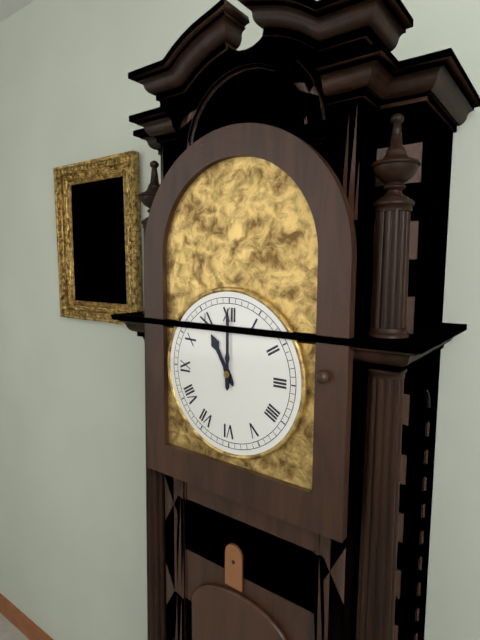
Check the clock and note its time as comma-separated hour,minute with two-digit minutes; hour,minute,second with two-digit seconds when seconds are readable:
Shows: 11,00
